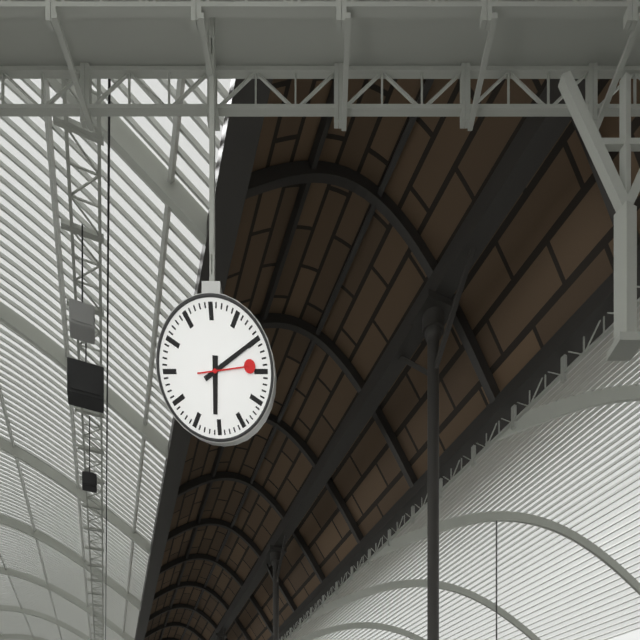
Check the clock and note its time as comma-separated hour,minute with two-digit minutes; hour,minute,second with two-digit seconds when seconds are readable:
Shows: 6,10,14
